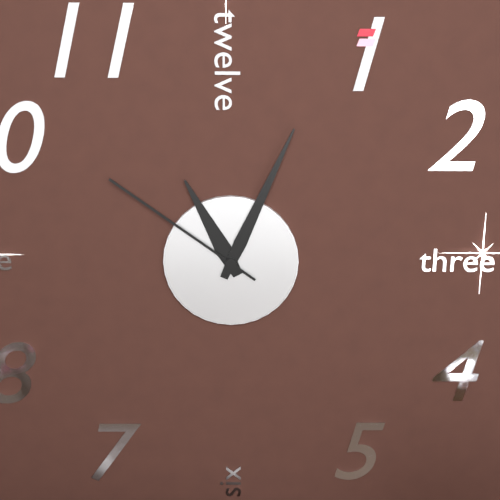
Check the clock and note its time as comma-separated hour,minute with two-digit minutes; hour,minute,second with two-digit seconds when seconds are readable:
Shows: 11,04,51
